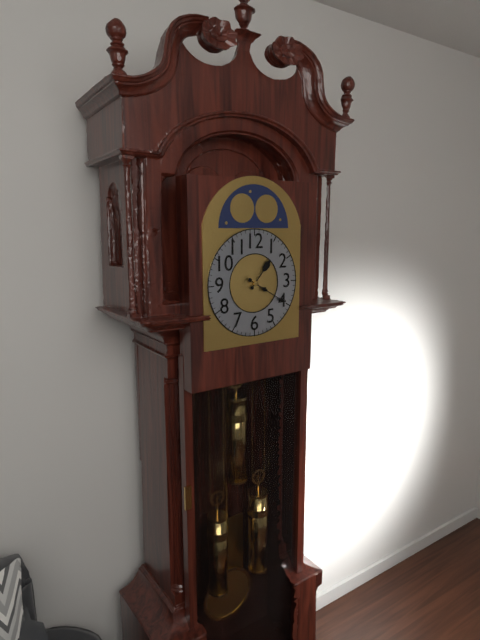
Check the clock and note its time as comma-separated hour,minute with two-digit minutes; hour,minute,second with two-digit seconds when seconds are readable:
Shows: 1,20
